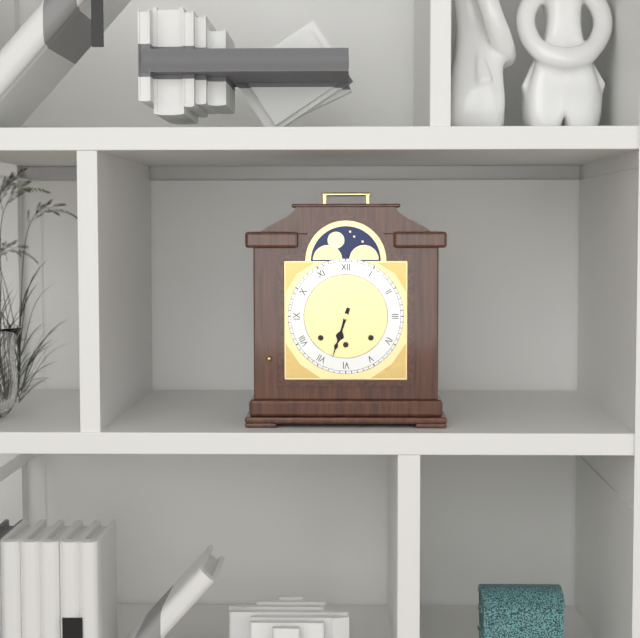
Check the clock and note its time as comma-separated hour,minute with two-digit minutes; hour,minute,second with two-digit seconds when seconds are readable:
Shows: 6,33
